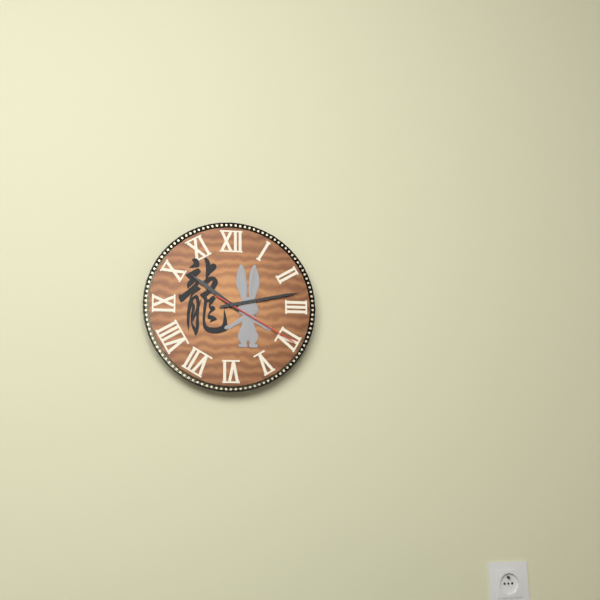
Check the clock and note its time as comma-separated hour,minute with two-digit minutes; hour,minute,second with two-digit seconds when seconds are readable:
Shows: 10,13,20
